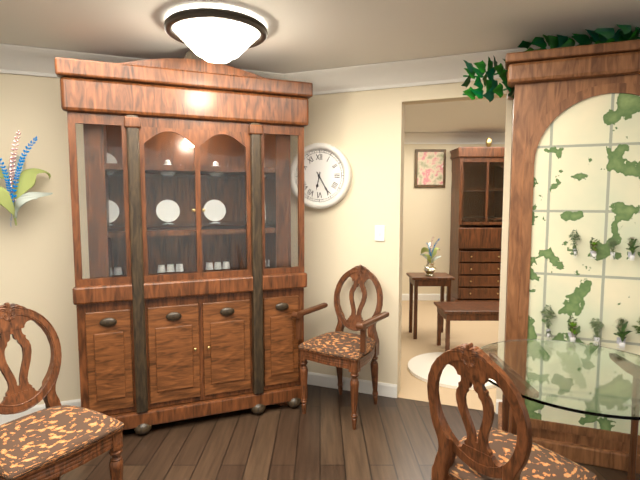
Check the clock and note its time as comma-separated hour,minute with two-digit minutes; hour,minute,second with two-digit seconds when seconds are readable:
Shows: 6,25
